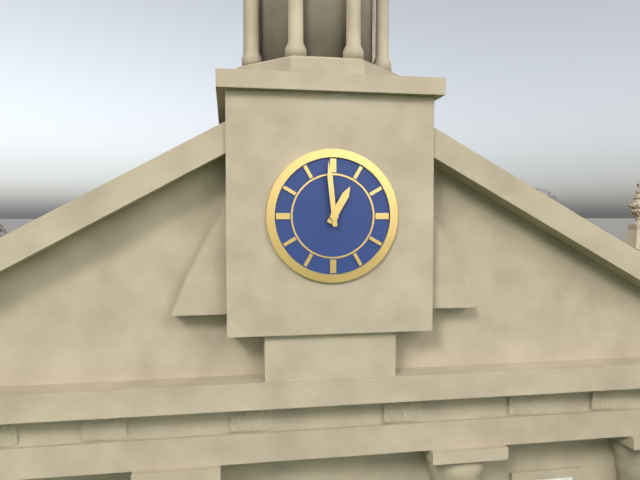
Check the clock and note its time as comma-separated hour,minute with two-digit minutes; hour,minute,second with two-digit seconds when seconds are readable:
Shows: 12,59
